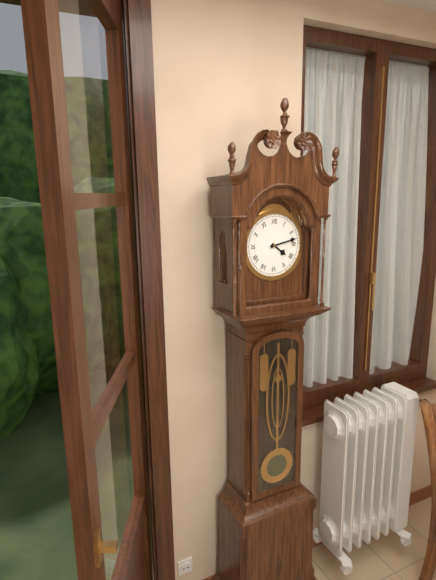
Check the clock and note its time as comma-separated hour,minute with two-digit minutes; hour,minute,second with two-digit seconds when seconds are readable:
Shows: 4,13
